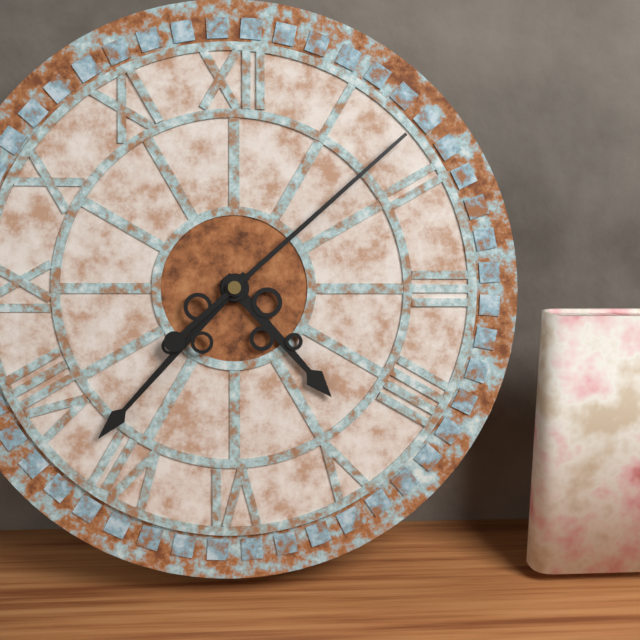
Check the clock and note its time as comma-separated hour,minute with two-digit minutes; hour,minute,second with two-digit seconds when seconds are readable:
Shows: 4,37,08
